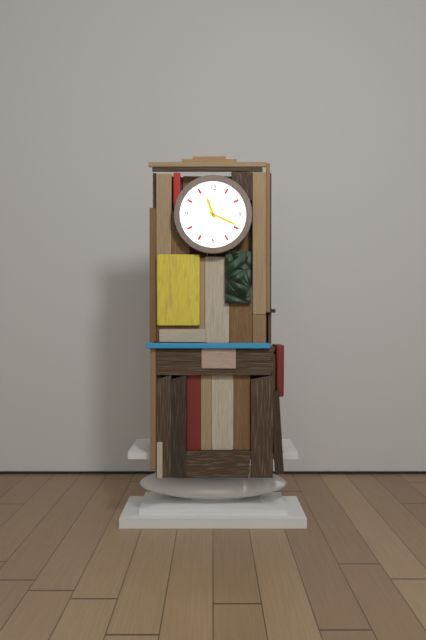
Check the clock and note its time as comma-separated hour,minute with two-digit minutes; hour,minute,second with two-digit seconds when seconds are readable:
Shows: 11,19
